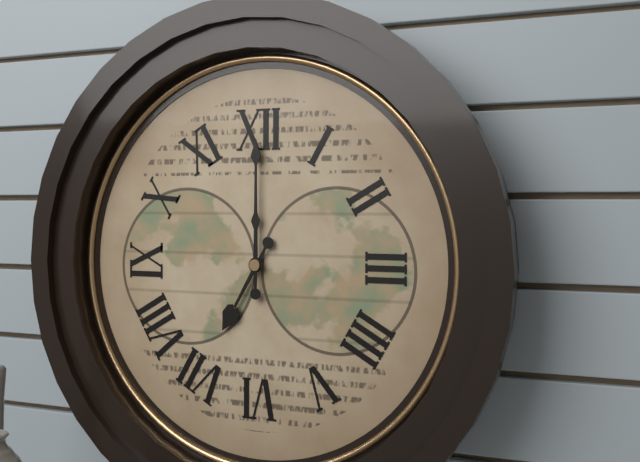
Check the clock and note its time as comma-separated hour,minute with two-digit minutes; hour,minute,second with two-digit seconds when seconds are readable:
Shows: 7,00
